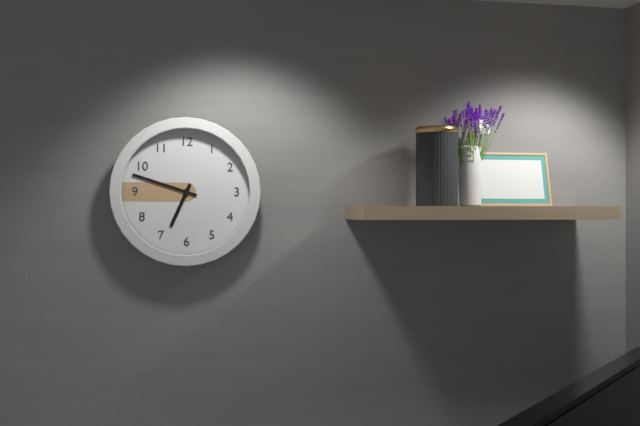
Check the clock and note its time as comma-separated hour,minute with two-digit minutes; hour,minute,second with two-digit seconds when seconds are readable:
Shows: 6,48
